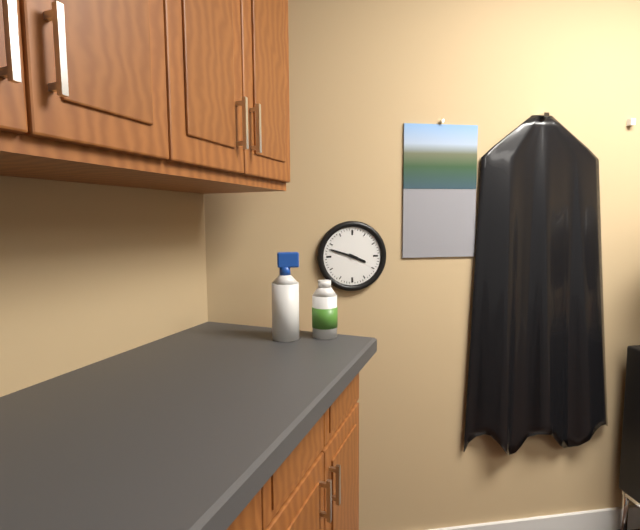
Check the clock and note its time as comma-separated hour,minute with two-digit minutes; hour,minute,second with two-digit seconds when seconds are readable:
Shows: 3,48
